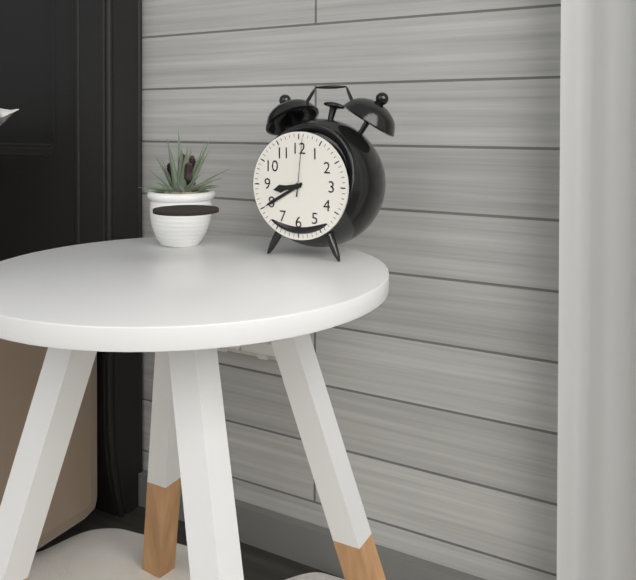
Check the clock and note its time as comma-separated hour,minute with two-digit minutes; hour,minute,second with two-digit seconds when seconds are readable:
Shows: 8,40,01
